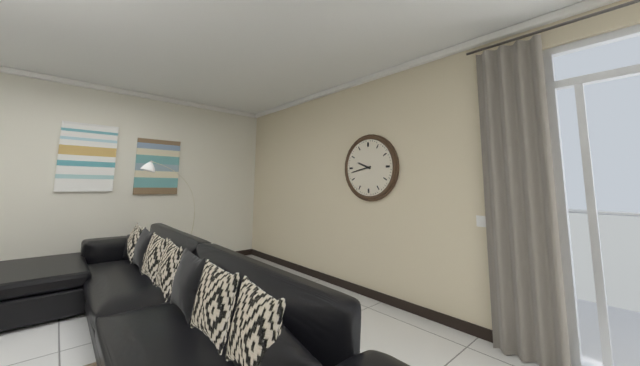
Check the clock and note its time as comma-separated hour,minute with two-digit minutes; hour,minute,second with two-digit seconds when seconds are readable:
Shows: 9,43
